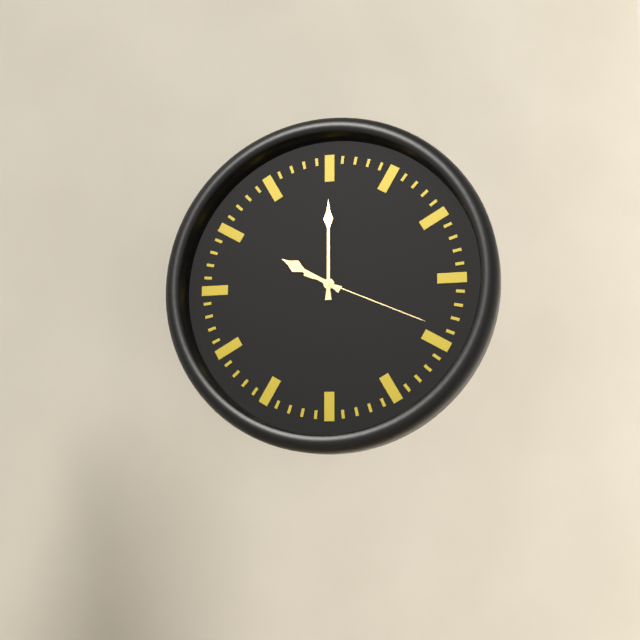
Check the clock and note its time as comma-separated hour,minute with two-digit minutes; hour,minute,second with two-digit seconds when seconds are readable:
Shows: 10,00,19
